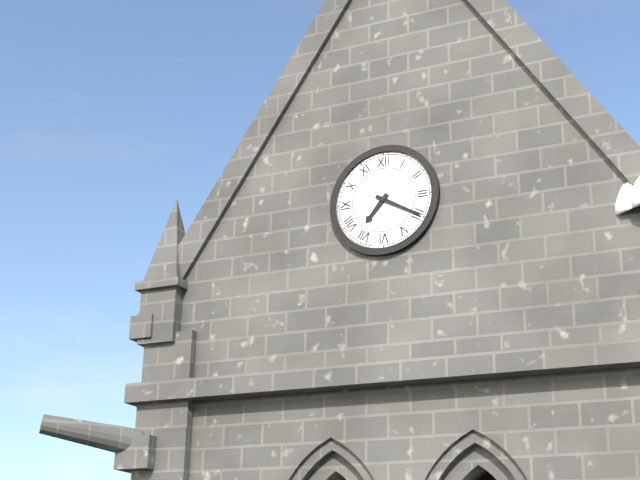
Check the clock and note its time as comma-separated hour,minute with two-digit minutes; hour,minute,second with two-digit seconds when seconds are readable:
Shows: 7,20
